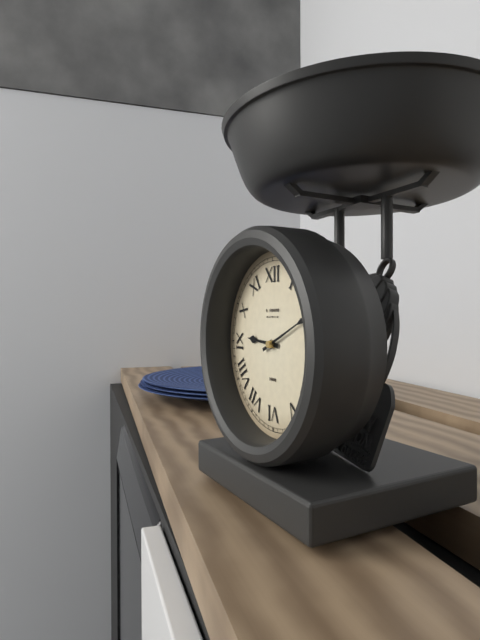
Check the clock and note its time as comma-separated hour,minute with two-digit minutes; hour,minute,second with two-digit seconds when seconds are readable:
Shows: 9,11
